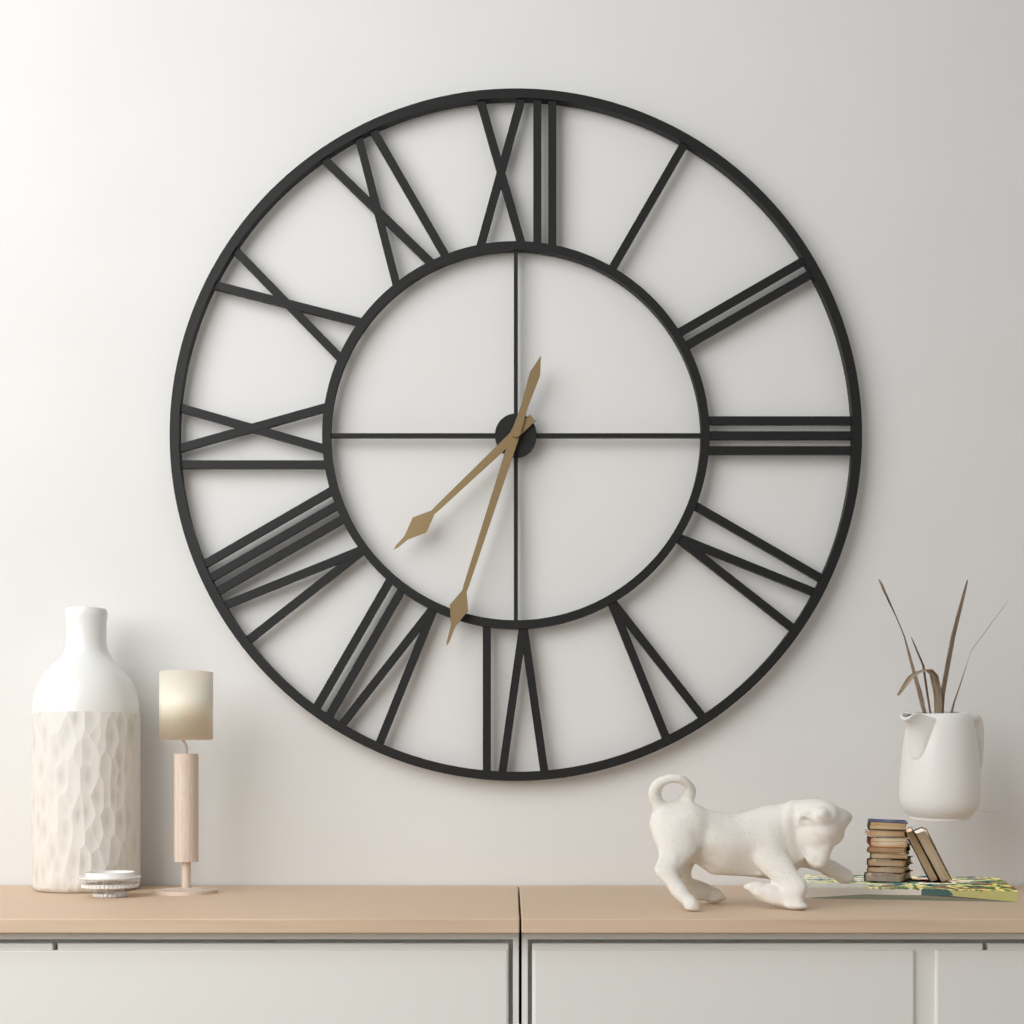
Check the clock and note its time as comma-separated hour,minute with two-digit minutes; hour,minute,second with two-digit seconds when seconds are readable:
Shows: 7,33
